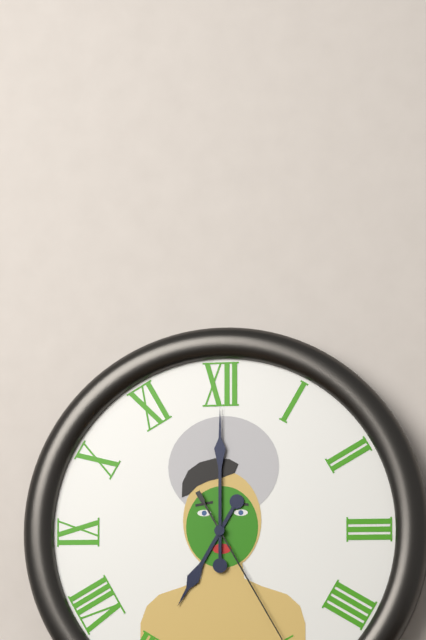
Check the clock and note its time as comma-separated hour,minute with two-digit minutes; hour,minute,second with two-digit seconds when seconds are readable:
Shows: 7,00
